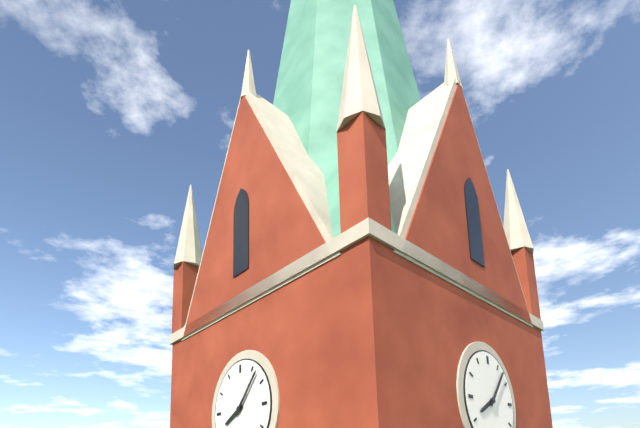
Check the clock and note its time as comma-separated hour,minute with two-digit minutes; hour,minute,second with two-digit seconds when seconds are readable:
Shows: 8,07
